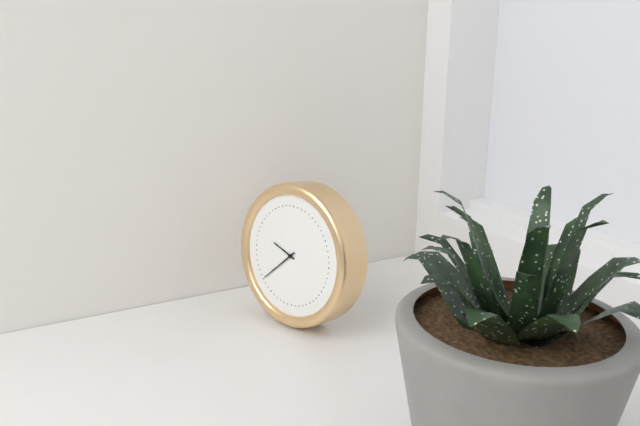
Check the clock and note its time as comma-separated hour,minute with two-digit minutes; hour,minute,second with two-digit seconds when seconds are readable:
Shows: 9,38
